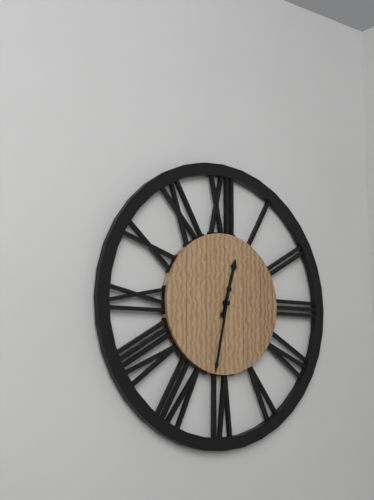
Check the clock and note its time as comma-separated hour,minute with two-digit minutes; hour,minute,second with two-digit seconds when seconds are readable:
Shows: 12,32
